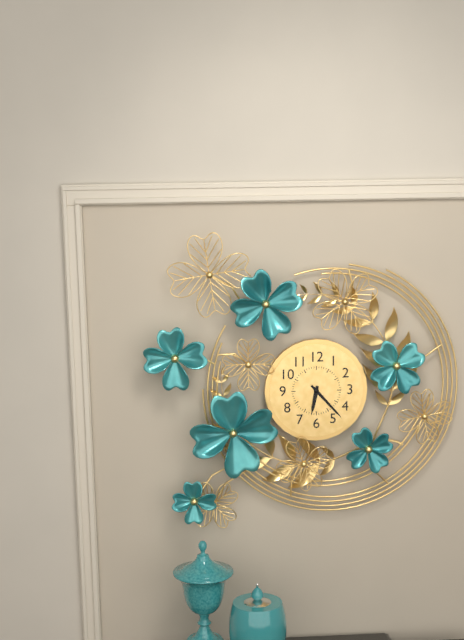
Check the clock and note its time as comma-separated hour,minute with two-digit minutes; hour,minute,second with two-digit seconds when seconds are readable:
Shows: 6,23
